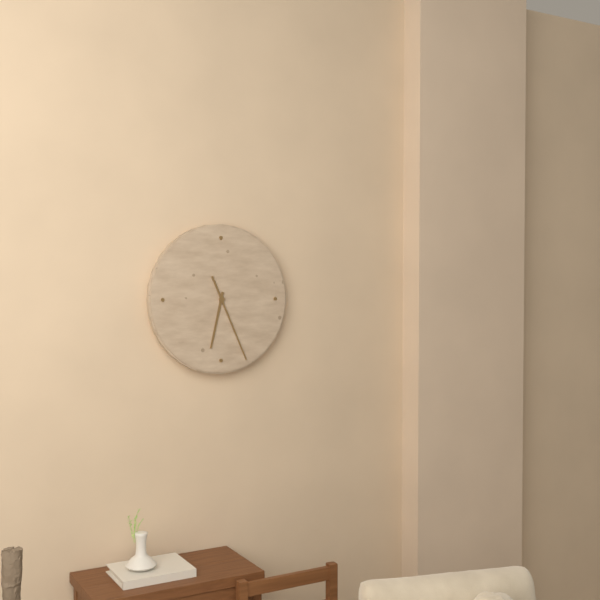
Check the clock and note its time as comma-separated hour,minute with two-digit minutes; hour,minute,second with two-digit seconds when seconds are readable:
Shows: 6,26
